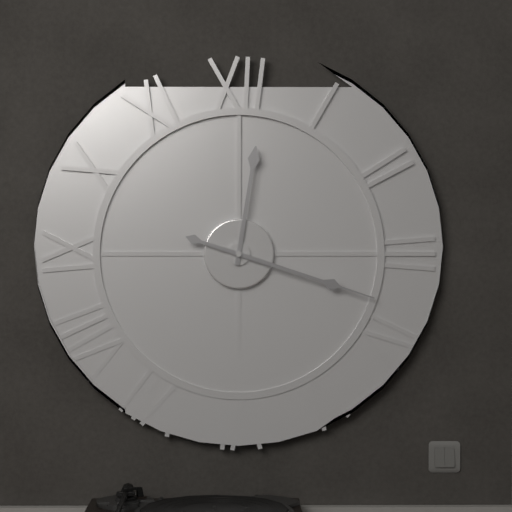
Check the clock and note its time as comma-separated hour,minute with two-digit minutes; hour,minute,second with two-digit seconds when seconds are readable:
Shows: 12,18
